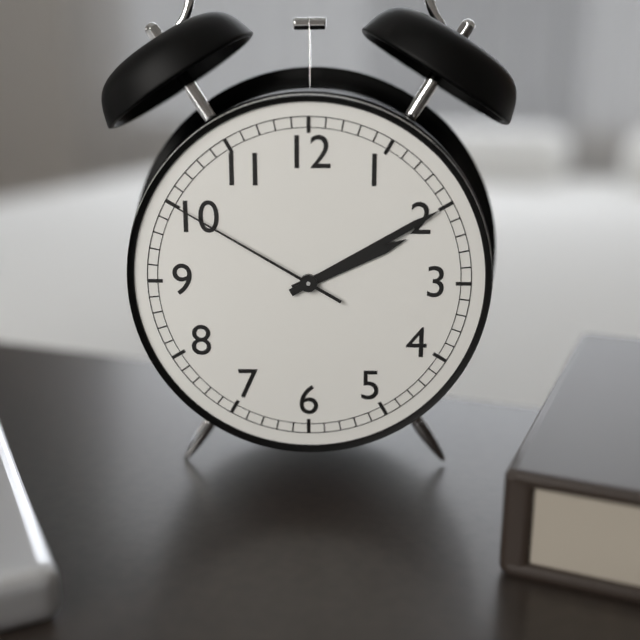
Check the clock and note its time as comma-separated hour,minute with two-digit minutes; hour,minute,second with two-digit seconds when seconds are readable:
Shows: 2,10,50
